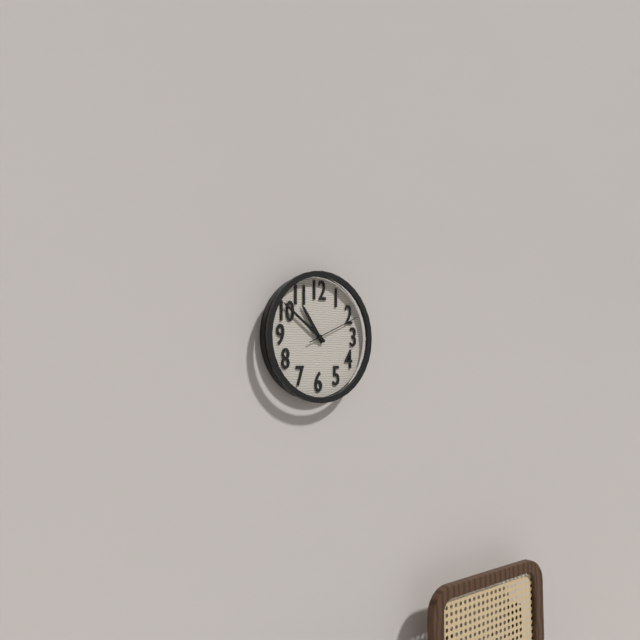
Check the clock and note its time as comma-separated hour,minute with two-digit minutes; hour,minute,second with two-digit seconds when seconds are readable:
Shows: 10,51,11
